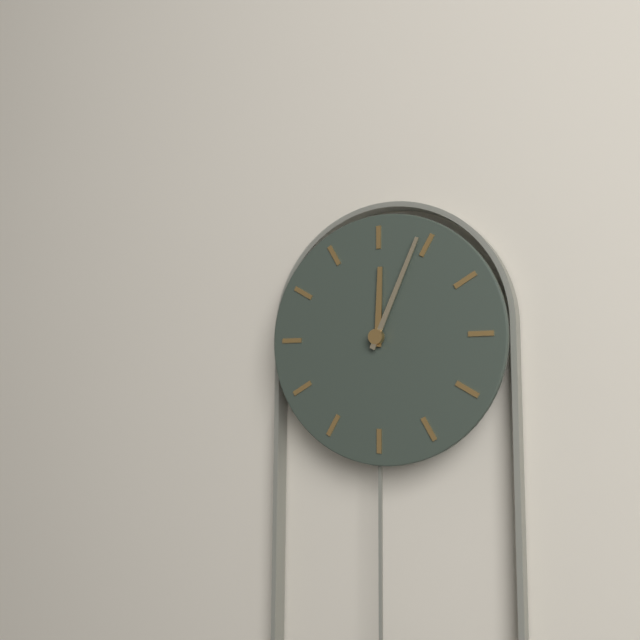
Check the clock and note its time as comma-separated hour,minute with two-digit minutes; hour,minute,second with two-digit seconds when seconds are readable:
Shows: 12,04
